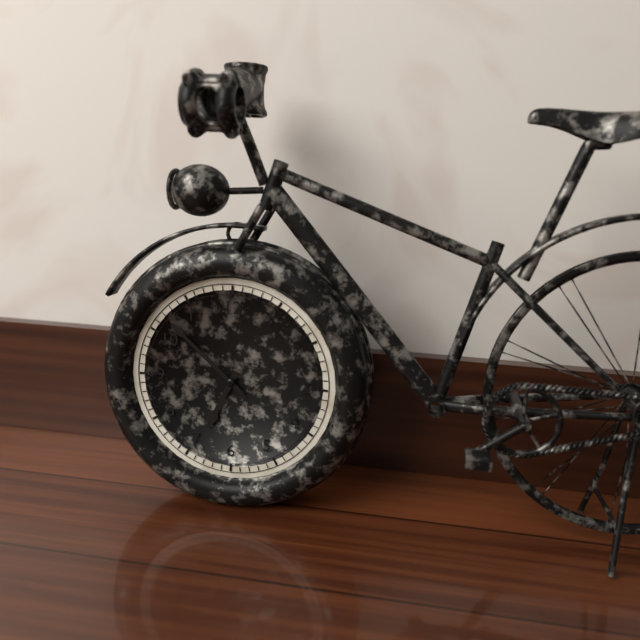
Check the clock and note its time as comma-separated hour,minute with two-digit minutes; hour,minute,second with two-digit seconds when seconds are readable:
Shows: 6,52
